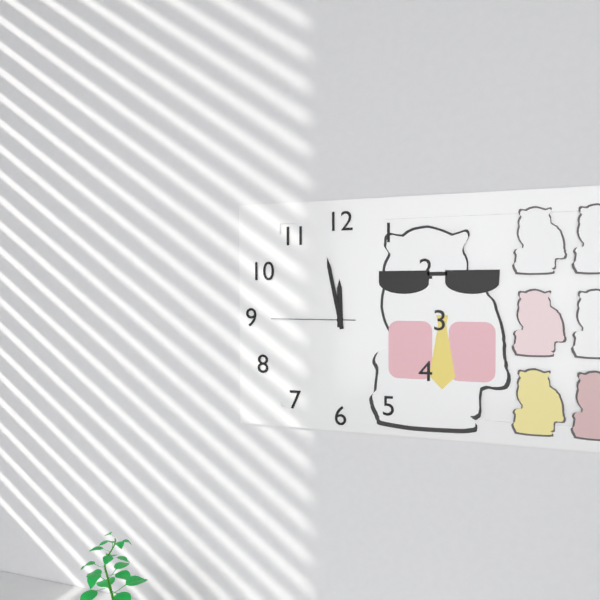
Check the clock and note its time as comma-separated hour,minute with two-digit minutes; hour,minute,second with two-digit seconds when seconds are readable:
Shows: 11,58,45
